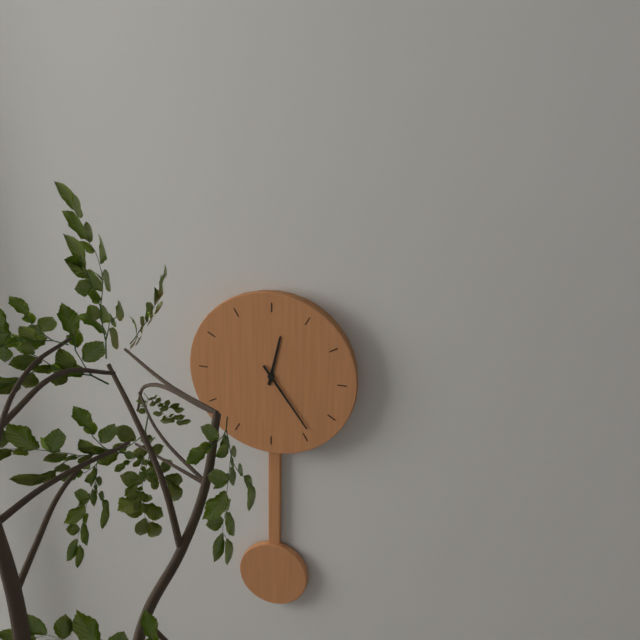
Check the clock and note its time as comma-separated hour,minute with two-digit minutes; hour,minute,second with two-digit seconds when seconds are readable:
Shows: 12,24
